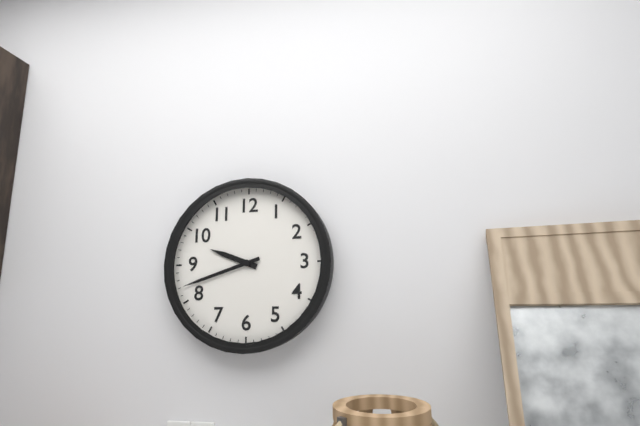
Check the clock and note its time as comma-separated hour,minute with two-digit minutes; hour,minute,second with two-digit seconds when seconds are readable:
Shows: 9,42
